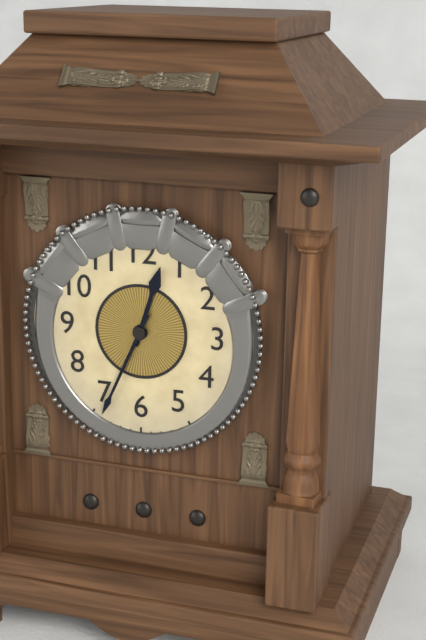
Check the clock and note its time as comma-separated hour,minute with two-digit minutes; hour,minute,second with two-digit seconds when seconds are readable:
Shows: 12,34
